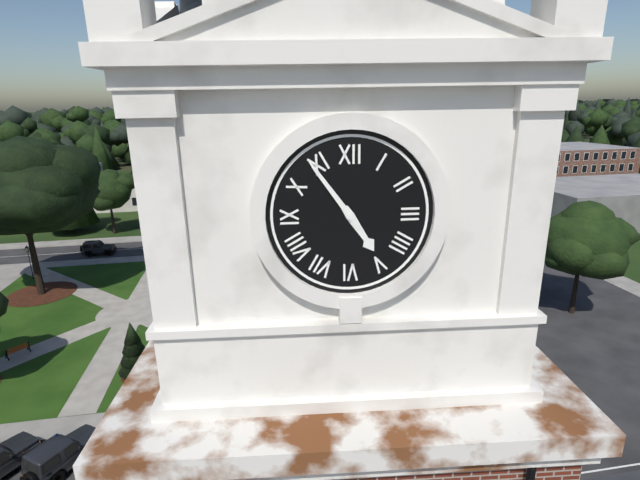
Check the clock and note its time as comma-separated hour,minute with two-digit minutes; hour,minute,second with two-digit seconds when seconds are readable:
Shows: 4,54
